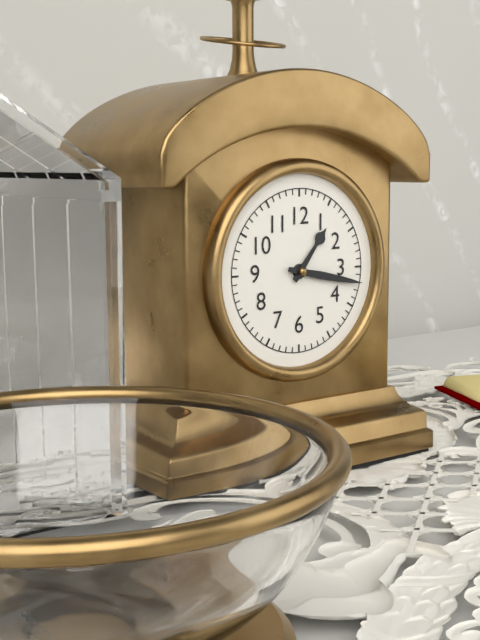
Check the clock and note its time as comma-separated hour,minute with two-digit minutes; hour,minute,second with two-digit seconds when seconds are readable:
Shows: 1,17
